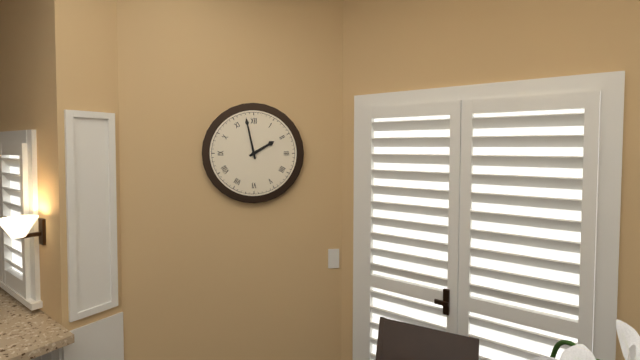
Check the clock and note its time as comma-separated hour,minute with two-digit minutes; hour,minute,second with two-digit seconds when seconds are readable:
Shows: 1,58
